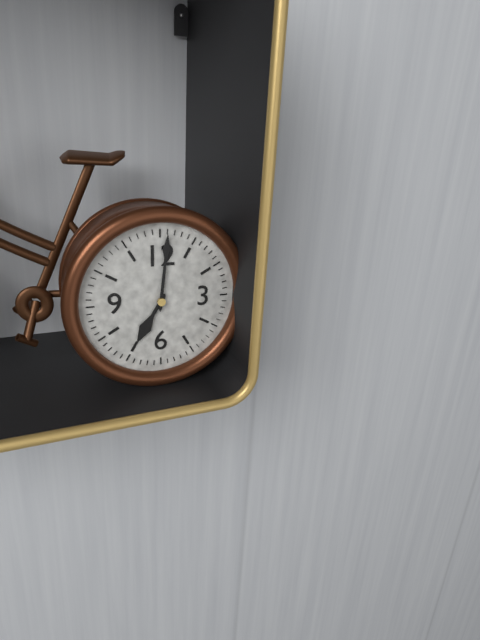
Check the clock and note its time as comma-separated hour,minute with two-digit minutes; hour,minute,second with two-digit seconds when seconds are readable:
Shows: 7,01
